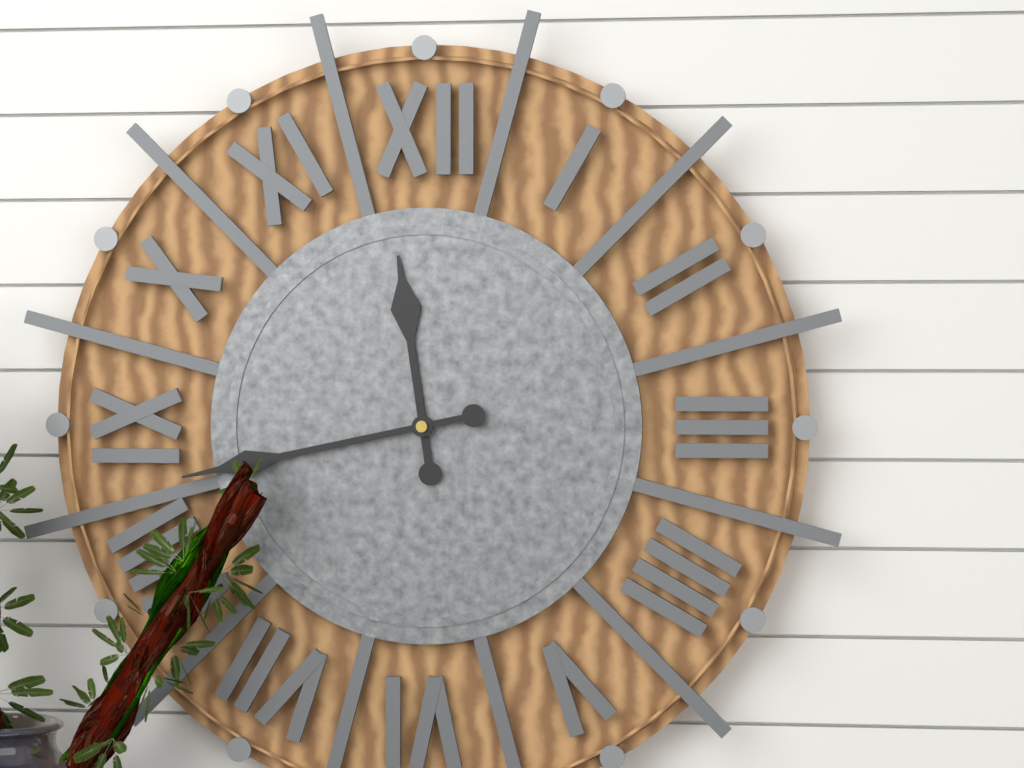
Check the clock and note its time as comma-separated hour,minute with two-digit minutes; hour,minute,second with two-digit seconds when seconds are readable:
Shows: 11,43
